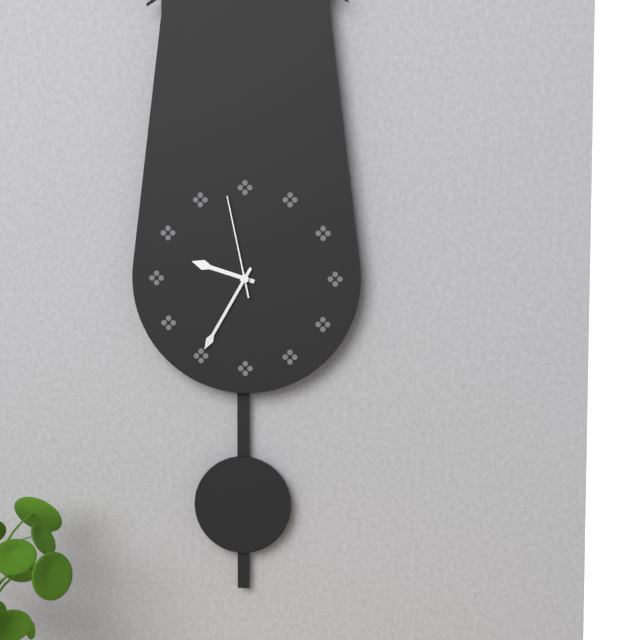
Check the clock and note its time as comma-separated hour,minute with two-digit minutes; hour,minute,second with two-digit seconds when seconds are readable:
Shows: 9,35,58
